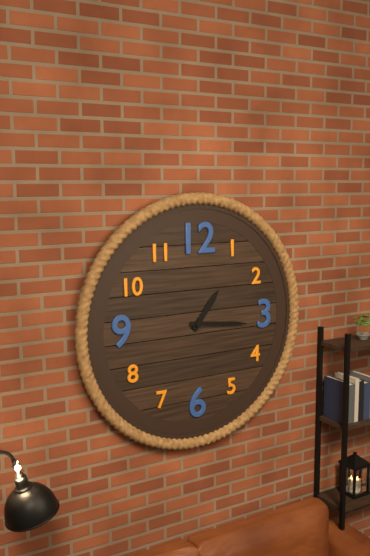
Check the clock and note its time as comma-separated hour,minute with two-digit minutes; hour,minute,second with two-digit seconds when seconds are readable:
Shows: 1,16
